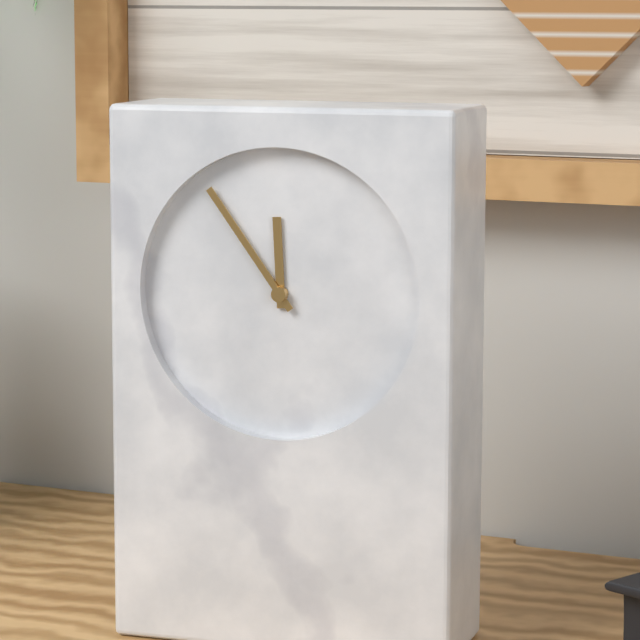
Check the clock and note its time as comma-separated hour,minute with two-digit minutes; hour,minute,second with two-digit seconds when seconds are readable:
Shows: 11,54
